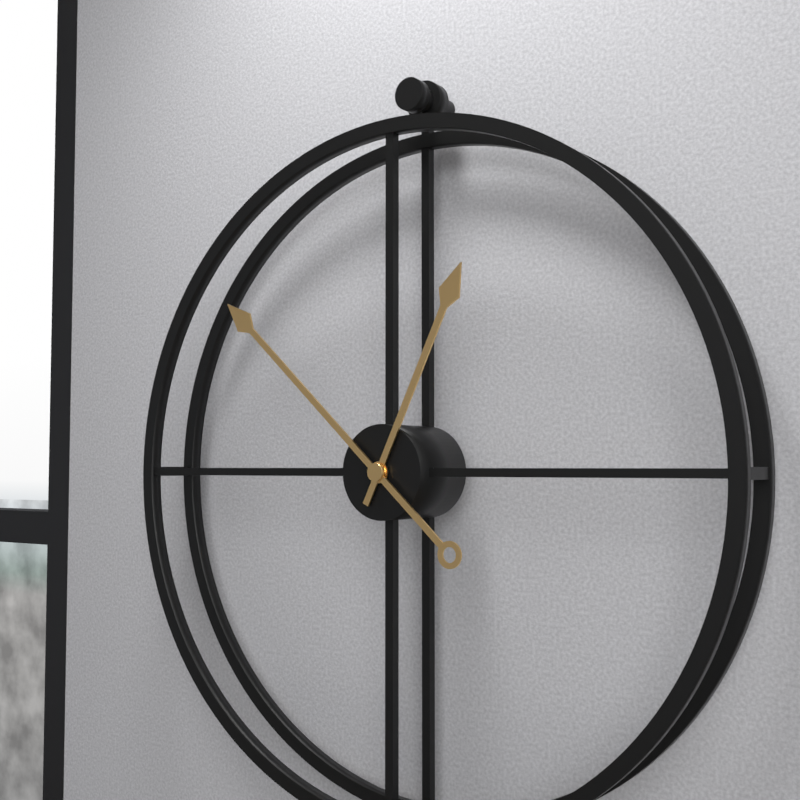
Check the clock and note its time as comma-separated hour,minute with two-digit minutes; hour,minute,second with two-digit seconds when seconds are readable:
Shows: 12,52
